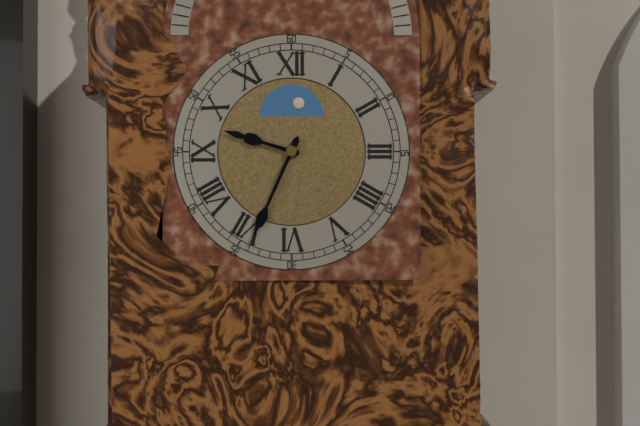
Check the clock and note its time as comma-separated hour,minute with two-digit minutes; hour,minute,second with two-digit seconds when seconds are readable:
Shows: 9,34
